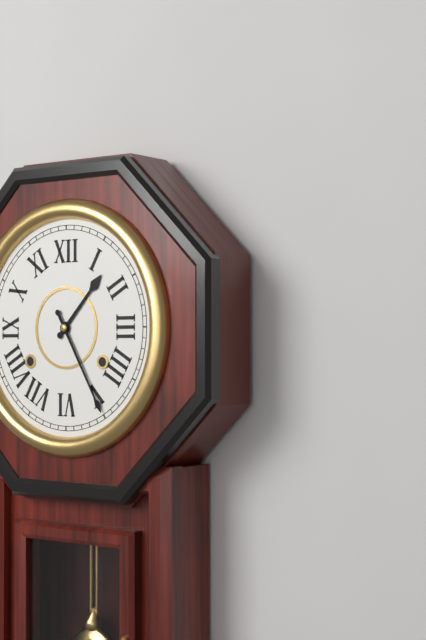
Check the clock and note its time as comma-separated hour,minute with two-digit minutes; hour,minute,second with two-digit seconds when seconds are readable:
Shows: 1,25
